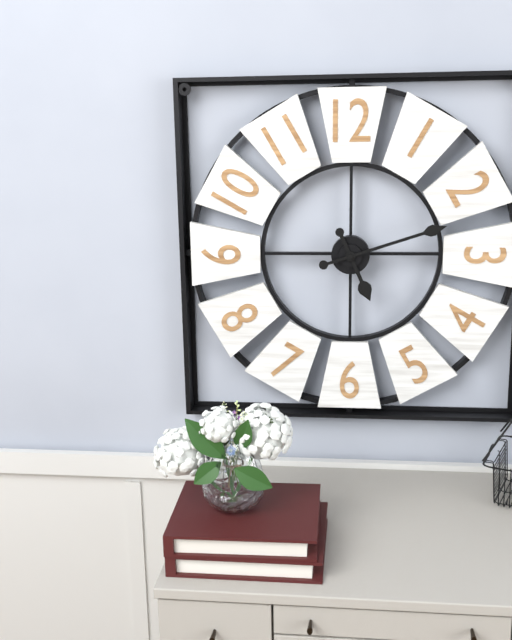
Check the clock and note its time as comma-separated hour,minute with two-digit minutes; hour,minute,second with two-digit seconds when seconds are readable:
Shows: 5,12
